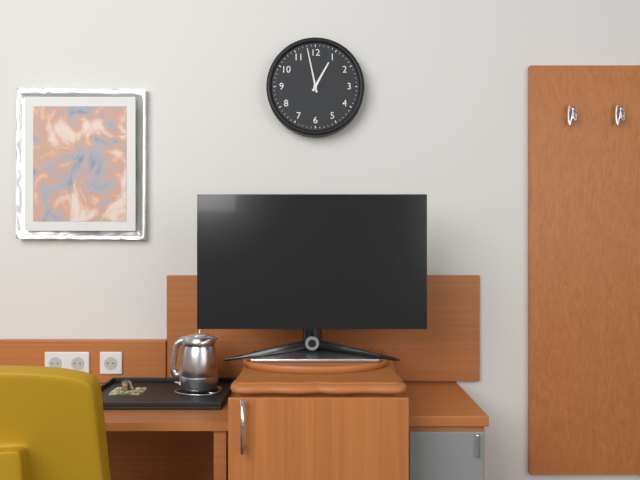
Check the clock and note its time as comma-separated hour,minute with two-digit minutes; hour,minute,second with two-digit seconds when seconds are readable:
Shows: 12,58
